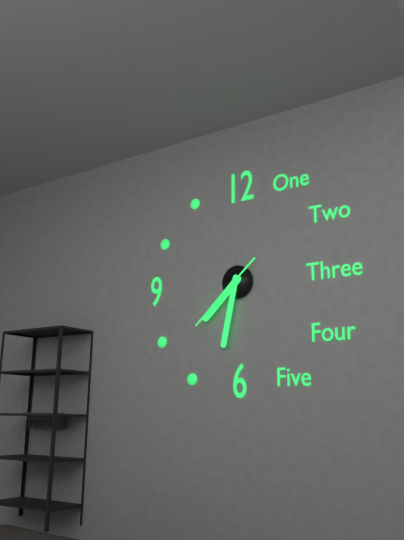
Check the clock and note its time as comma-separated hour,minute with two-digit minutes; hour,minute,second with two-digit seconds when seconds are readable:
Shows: 7,32,38
